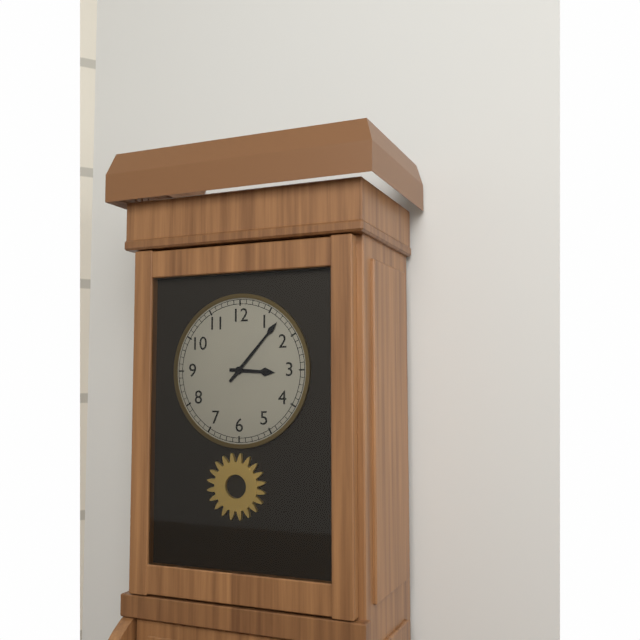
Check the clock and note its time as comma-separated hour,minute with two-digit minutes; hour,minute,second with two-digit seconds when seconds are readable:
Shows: 3,07
